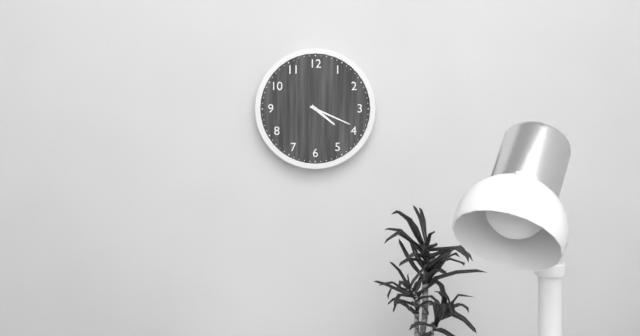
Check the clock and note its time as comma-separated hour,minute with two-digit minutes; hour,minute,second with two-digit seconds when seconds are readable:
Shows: 4,19
